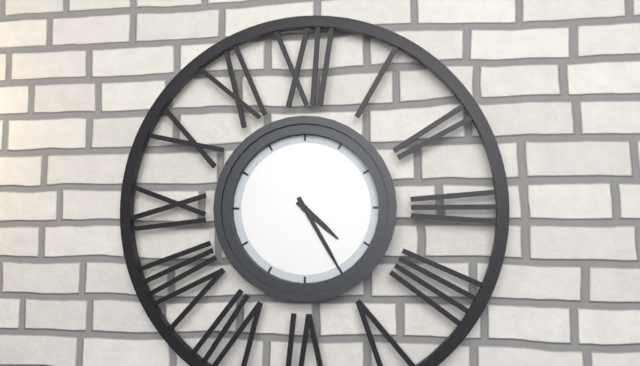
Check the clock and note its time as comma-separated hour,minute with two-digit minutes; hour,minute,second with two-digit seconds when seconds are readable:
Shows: 4,25
